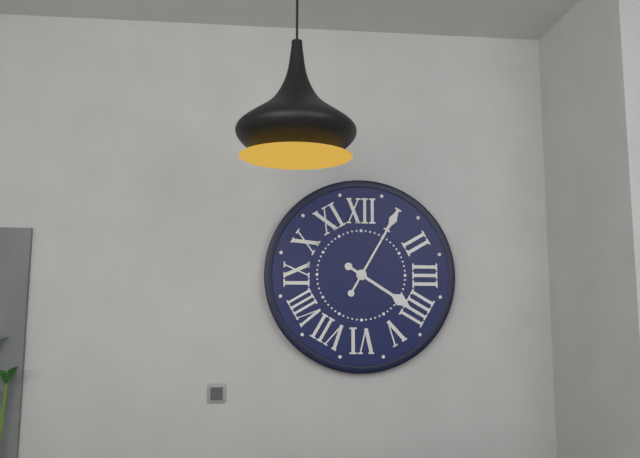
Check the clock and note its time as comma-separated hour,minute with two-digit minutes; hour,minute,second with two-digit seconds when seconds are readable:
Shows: 4,05
